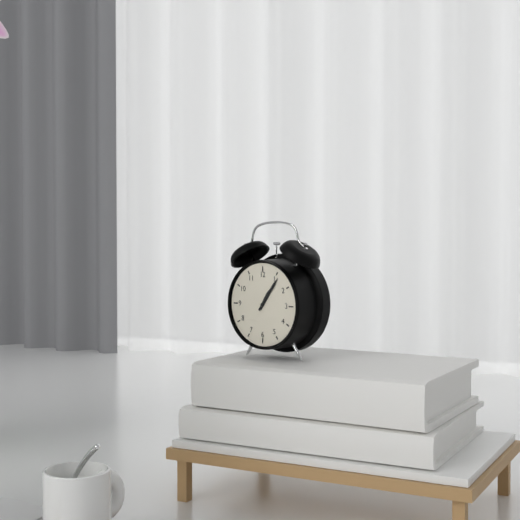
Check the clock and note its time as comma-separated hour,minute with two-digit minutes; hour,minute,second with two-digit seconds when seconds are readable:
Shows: 1,06
